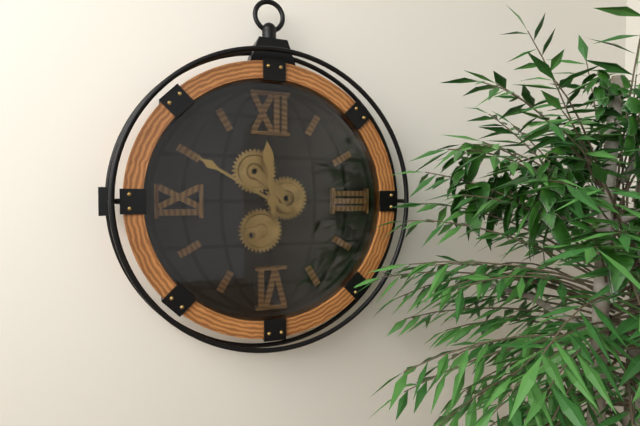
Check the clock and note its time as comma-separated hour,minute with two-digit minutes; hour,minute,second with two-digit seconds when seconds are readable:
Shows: 11,50
